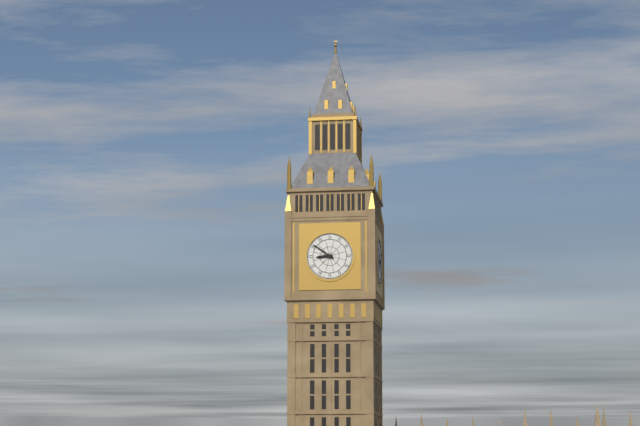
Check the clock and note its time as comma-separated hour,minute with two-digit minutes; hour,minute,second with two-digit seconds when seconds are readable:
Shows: 8,51
